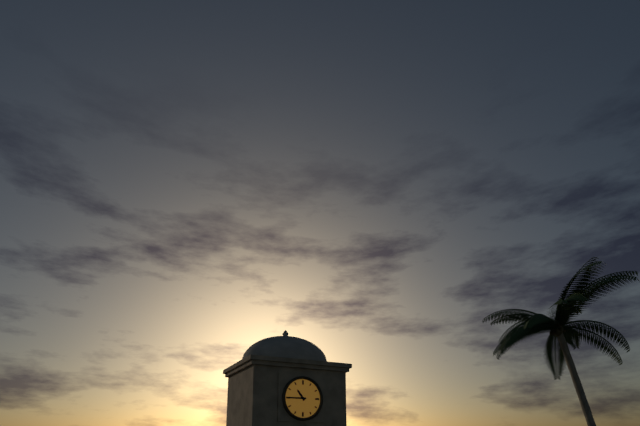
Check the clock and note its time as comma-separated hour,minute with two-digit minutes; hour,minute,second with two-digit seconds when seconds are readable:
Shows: 10,45
